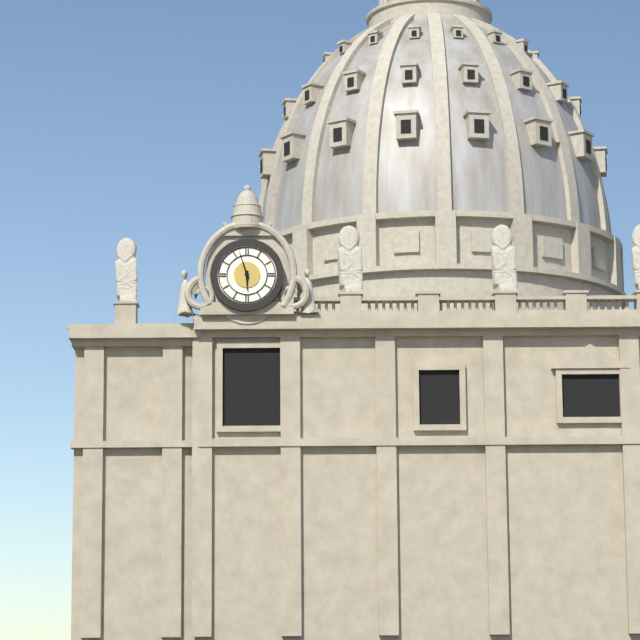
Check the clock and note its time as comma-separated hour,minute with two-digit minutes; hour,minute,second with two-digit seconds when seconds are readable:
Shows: 5,57
